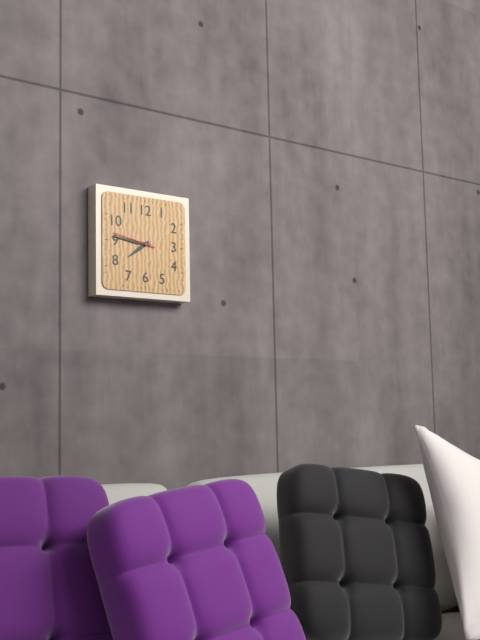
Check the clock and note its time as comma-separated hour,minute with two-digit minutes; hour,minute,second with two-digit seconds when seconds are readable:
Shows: 7,46
